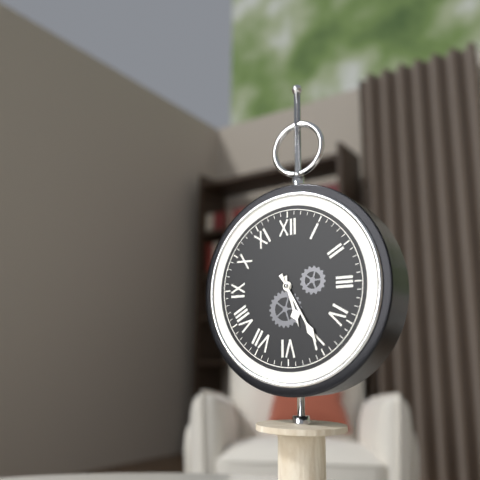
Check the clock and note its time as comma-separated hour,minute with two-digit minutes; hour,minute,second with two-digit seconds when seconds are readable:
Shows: 5,25
